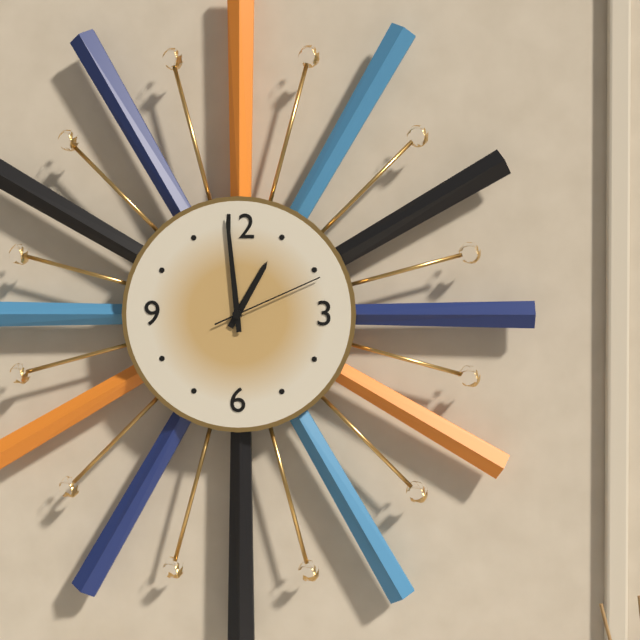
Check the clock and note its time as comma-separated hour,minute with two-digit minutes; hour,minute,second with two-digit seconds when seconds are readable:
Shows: 12,59,11
